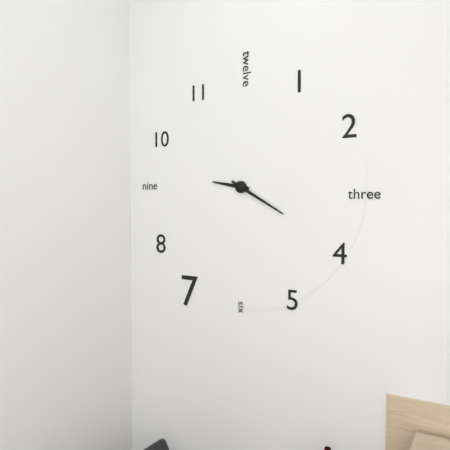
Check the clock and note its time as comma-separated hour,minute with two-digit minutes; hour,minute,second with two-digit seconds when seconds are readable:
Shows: 9,20
